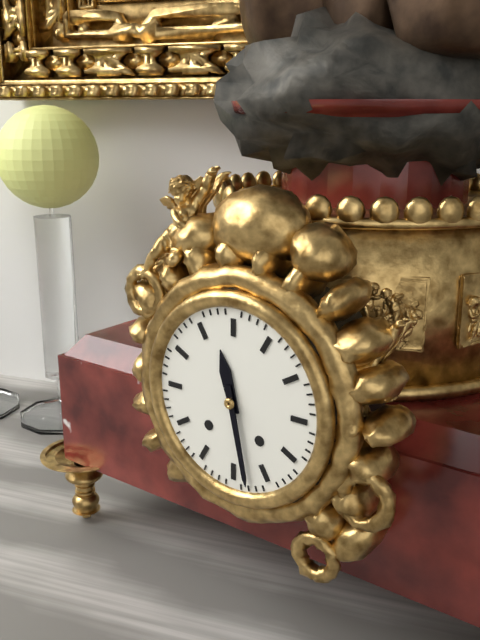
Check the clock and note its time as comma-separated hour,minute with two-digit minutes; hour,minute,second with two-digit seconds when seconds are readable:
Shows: 11,28
